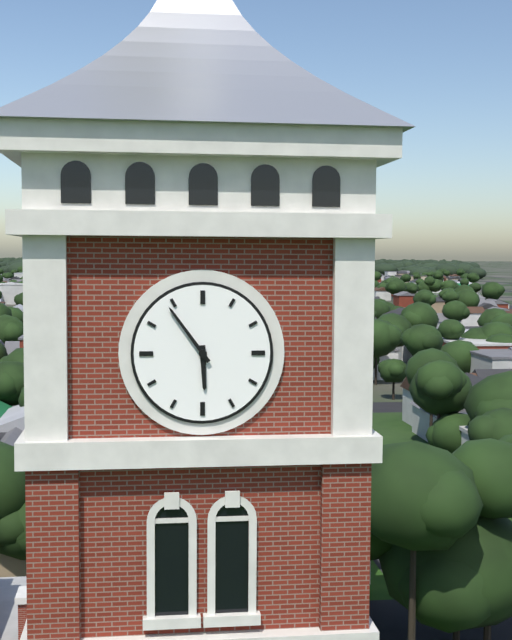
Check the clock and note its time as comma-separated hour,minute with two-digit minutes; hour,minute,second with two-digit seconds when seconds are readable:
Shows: 5,54
